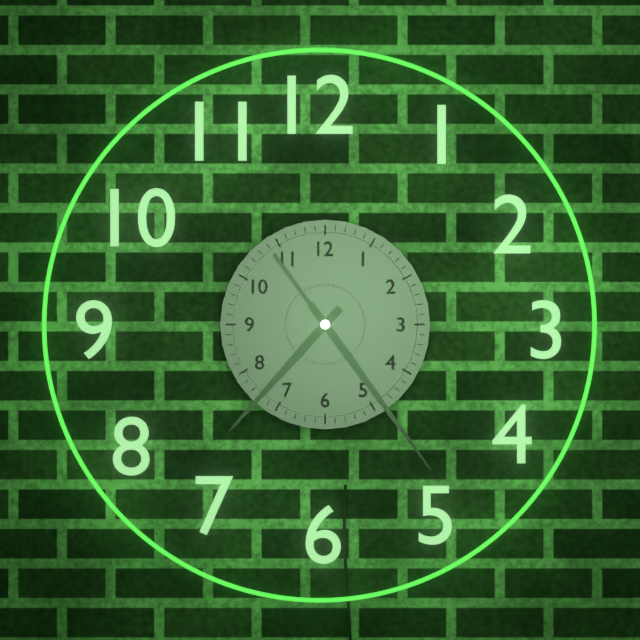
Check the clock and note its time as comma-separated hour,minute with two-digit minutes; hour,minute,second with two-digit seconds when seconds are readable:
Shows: 7,24,24
